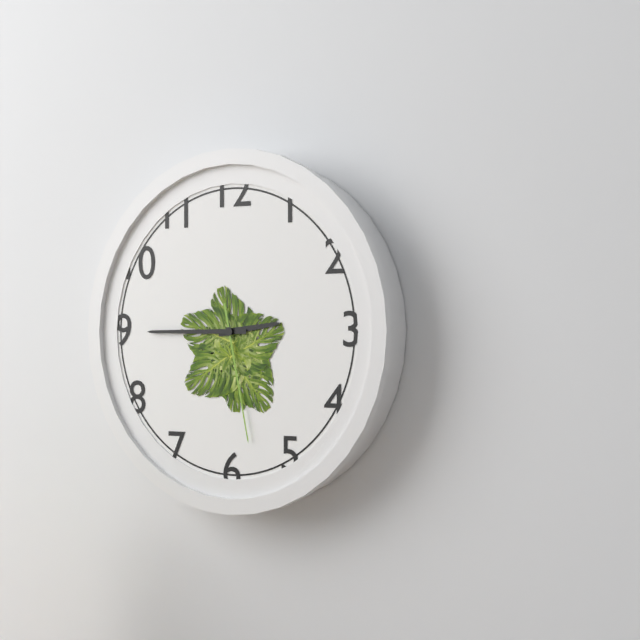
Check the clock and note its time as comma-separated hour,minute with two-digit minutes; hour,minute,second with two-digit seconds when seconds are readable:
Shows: 2,45,28
